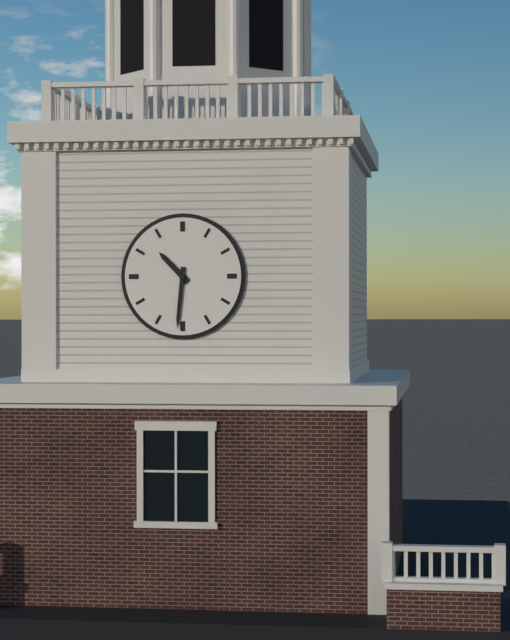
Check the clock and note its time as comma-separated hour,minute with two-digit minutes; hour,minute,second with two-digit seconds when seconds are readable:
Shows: 10,31
